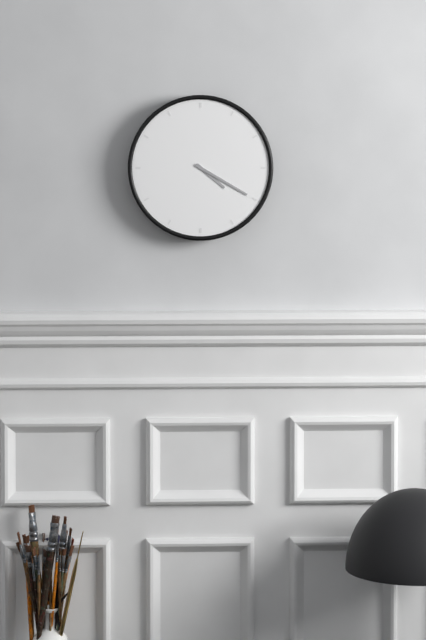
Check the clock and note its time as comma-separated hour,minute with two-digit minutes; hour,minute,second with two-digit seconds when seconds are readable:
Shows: 4,20
